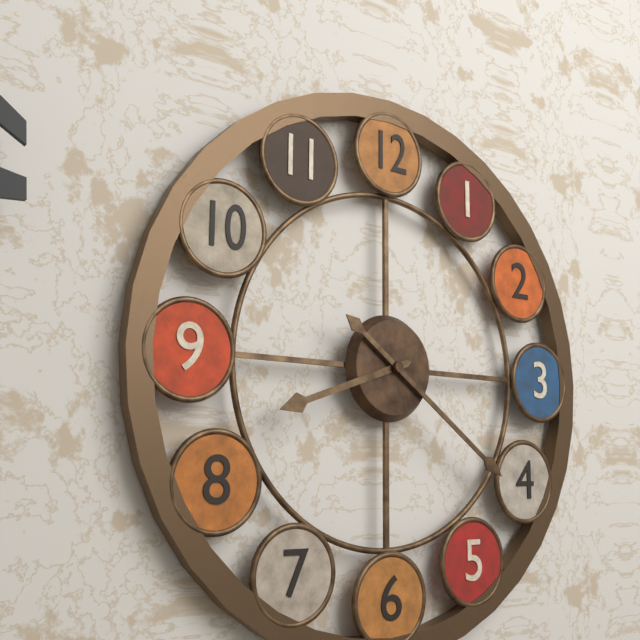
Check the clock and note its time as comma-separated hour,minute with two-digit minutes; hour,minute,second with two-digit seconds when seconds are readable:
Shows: 8,21
